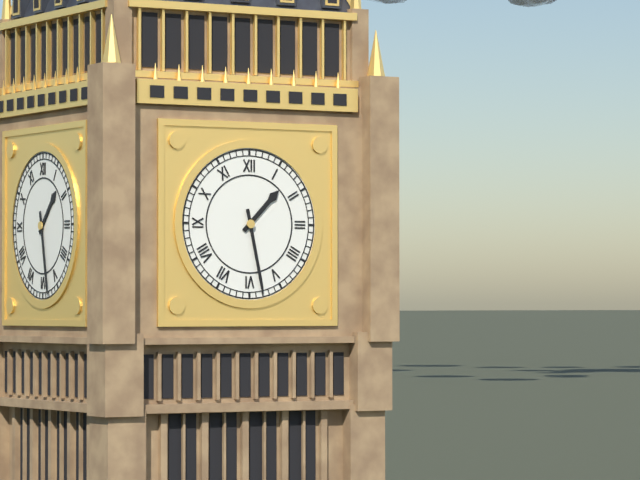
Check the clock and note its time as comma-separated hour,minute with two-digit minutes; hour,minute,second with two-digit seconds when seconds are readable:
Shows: 1,28
